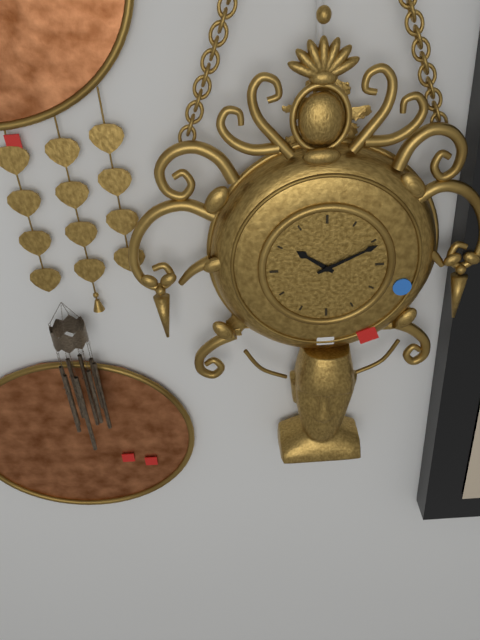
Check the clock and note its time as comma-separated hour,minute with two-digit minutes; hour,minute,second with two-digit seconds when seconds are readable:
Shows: 10,11
